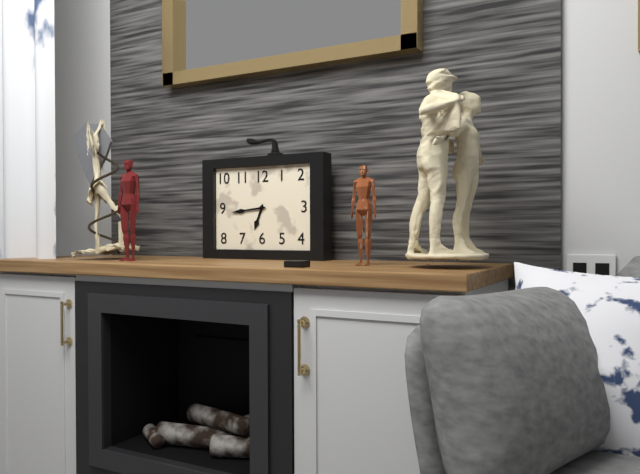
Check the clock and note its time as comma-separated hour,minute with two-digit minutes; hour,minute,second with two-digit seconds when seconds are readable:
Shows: 6,44
